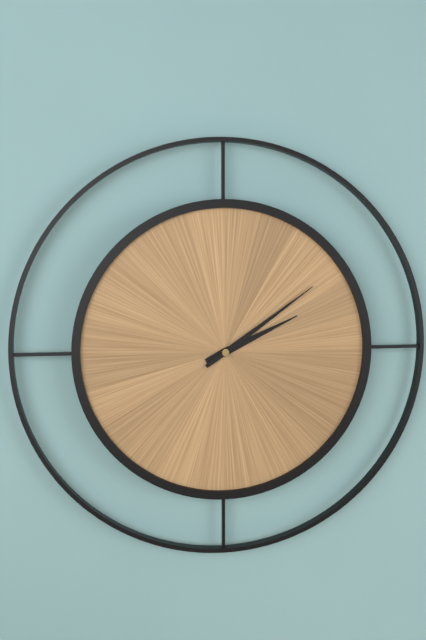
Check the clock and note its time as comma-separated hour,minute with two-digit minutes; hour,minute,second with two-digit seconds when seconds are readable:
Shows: 2,09
